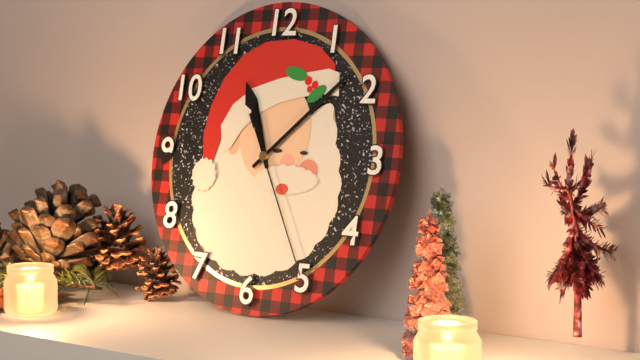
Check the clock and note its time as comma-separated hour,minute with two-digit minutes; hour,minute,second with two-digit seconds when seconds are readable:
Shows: 11,08,25
